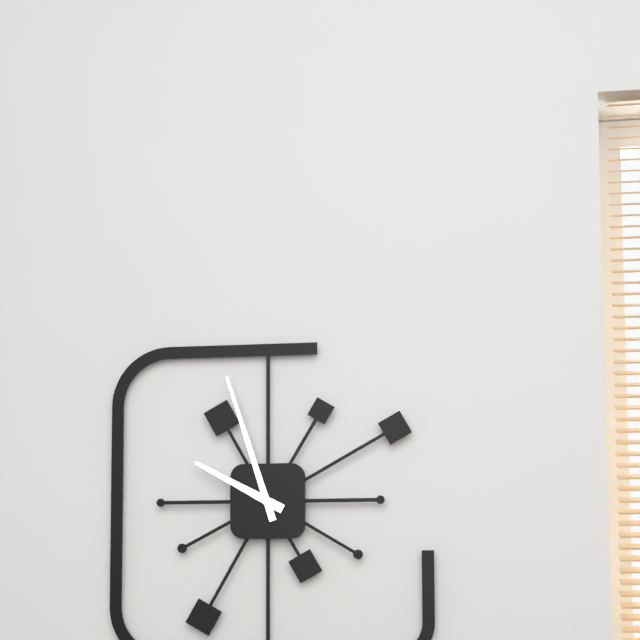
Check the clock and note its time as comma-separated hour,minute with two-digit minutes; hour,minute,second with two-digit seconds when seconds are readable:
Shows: 9,57
